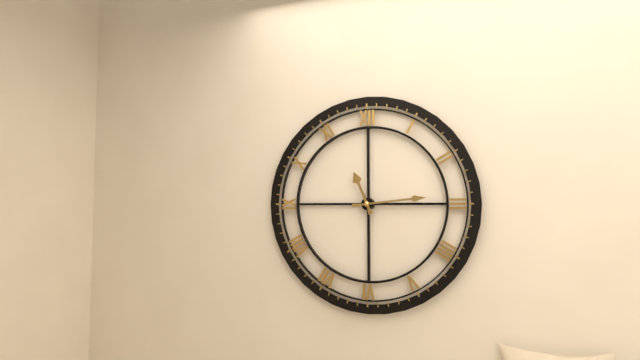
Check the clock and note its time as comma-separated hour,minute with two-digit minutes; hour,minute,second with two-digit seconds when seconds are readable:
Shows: 11,14
